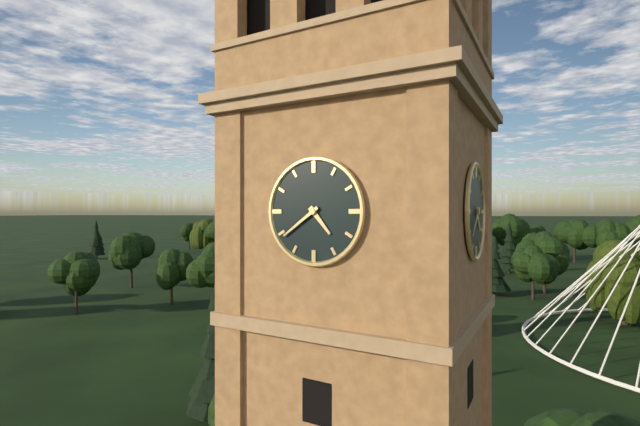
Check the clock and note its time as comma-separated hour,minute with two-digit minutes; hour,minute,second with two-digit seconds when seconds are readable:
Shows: 4,39
